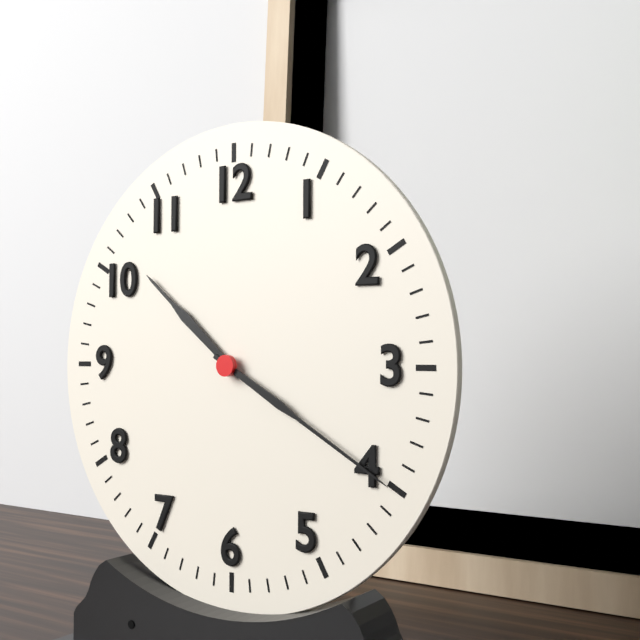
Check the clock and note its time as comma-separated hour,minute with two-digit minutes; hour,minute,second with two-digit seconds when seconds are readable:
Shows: 10,20
